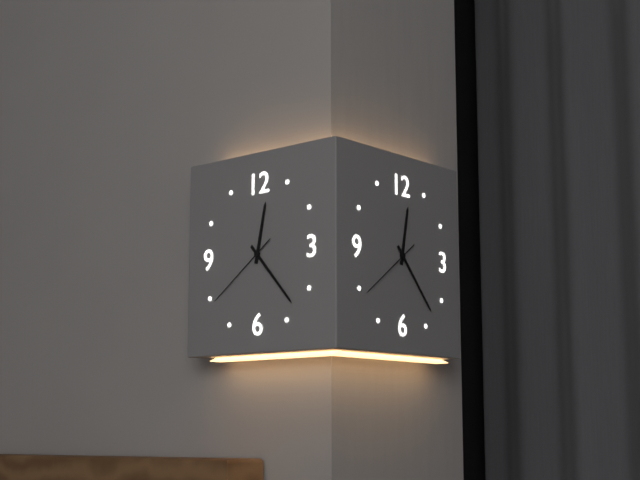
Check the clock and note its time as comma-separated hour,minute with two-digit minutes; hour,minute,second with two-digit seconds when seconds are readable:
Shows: 12,23,39
